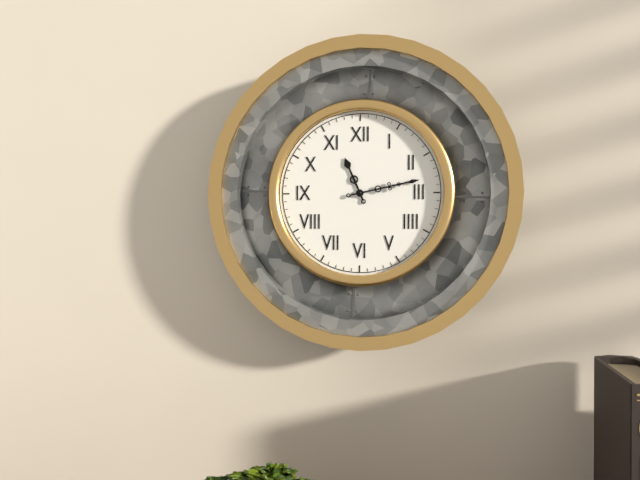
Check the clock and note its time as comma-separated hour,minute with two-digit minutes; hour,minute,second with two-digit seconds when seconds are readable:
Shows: 11,13
